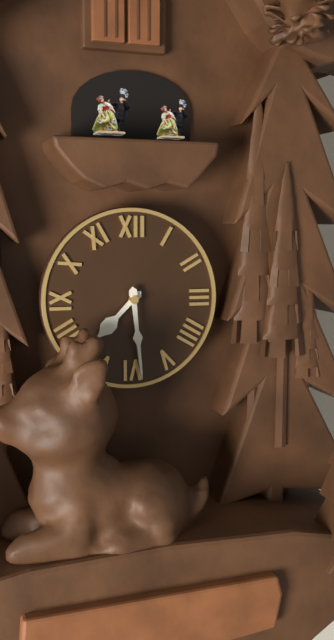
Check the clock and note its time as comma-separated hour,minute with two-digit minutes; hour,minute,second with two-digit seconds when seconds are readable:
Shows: 7,29
